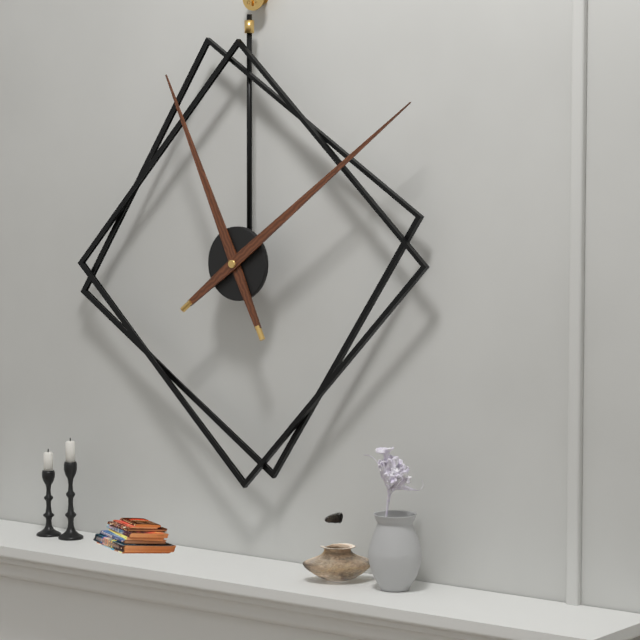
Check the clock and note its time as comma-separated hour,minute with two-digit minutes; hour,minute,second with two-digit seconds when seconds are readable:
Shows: 11,09
